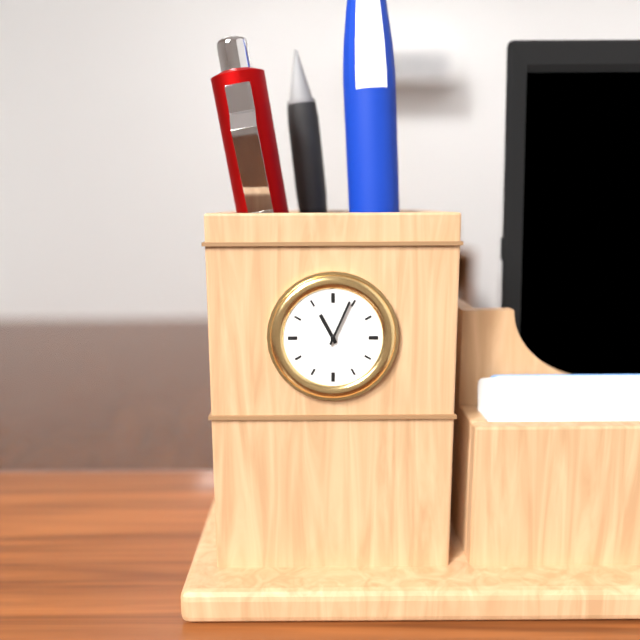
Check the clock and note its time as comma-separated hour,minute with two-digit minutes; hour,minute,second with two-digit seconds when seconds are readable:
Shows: 11,04
